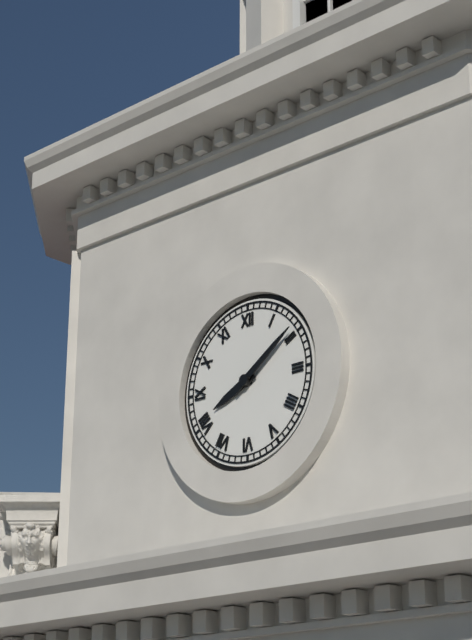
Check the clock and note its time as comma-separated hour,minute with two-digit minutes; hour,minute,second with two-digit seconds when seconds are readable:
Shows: 8,09
